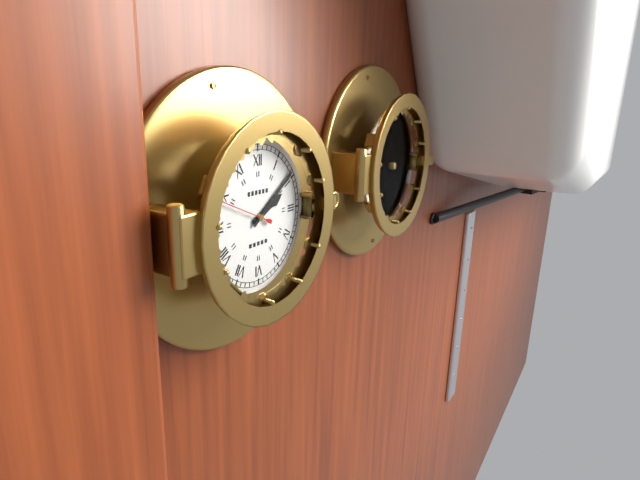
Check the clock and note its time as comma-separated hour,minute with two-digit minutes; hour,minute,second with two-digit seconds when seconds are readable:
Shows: 2,09,49
